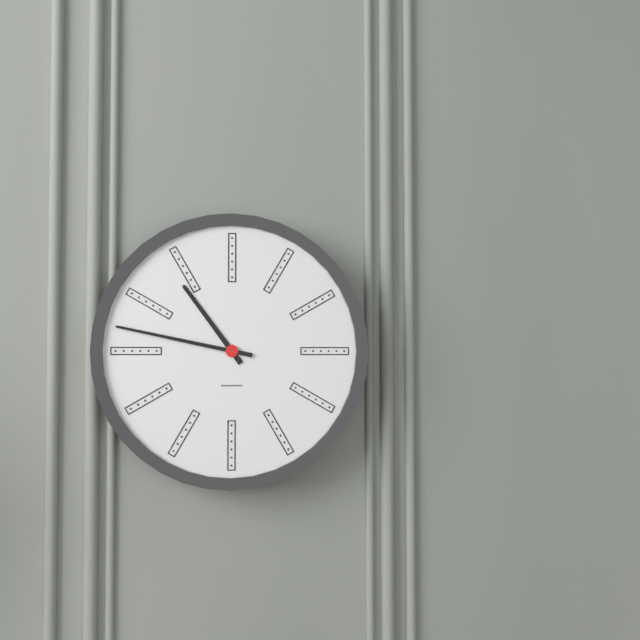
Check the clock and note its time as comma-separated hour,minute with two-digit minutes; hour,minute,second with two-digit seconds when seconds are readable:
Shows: 10,47
